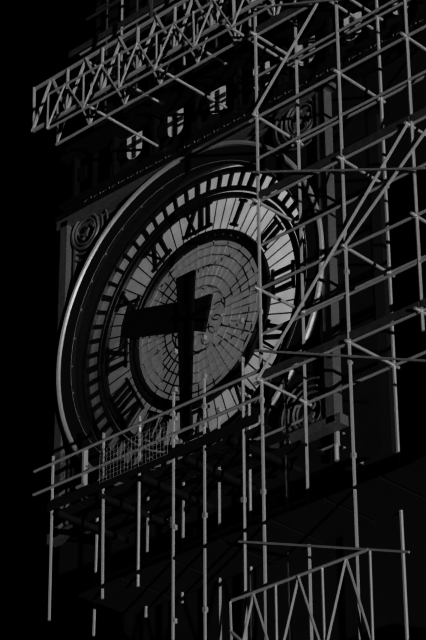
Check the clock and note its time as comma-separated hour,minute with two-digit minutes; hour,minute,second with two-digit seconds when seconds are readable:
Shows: 9,30
